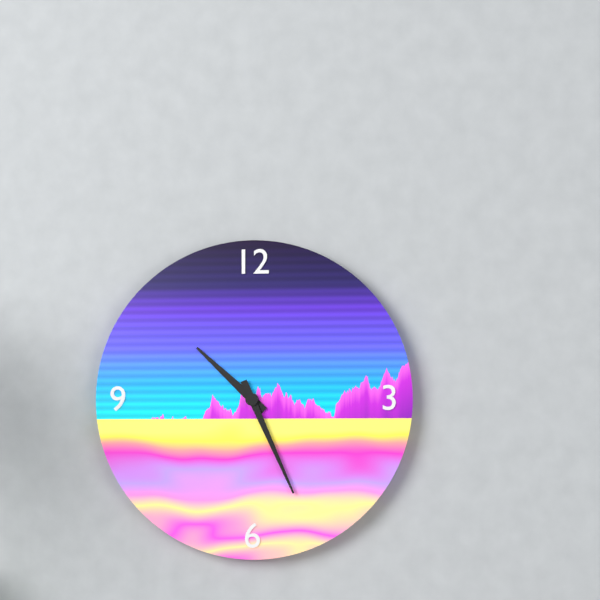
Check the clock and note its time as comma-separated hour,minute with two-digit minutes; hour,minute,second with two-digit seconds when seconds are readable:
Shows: 10,26
